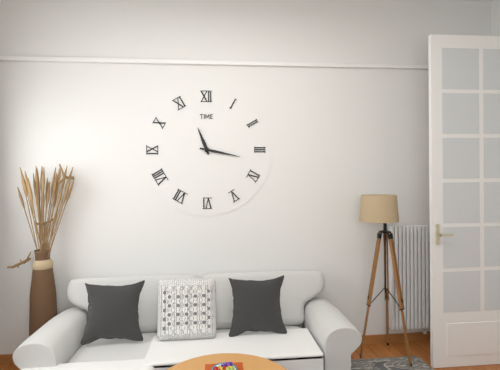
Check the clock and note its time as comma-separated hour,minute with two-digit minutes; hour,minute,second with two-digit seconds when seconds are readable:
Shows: 11,17
